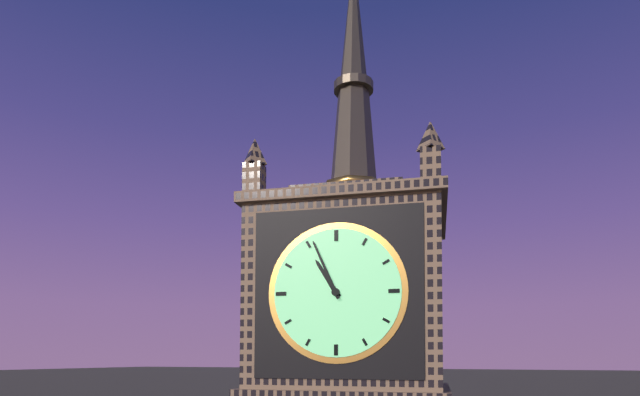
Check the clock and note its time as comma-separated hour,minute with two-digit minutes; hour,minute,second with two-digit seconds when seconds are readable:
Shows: 10,56
